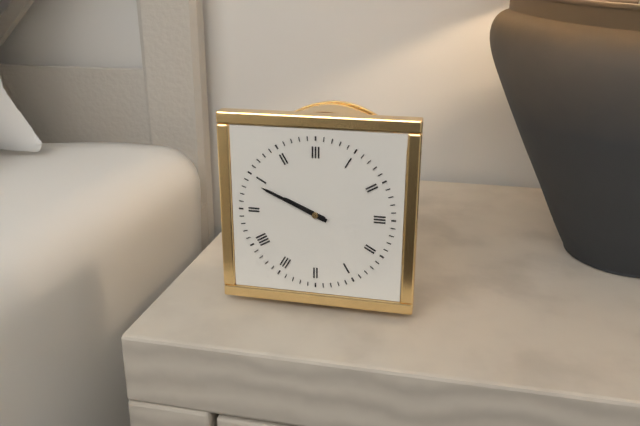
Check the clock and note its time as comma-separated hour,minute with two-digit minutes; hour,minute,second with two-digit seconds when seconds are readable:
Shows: 9,49
